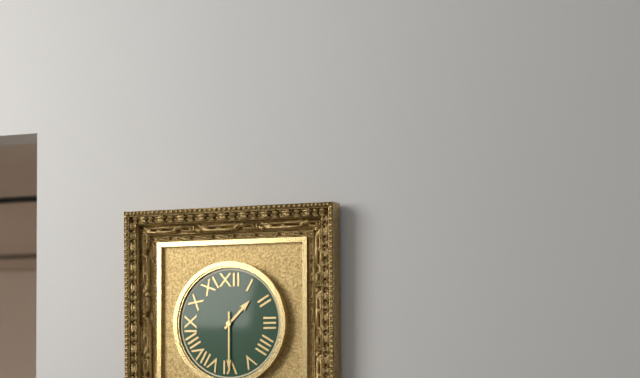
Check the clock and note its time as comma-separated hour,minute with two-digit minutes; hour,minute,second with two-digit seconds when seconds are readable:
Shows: 1,30
